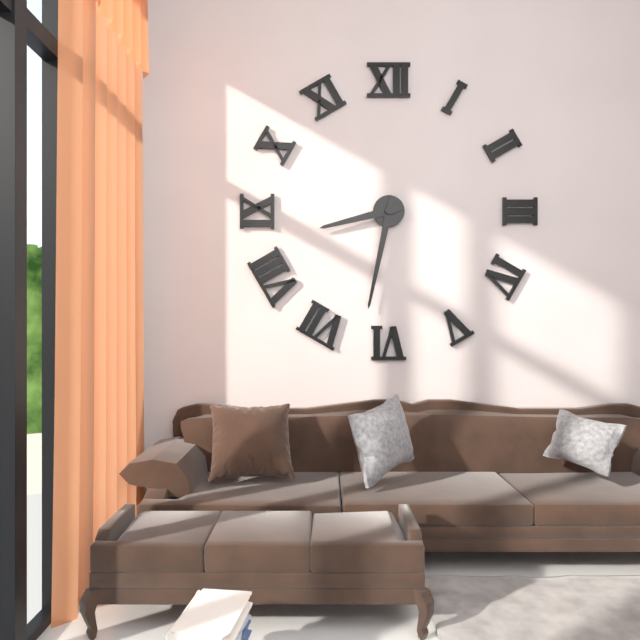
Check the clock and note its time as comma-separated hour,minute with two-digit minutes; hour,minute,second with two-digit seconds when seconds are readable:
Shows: 8,32
